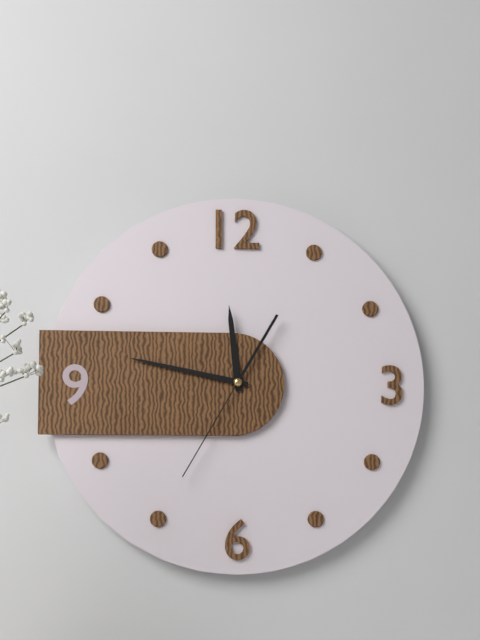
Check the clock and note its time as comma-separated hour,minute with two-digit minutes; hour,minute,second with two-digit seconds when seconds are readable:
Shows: 11,47,35
